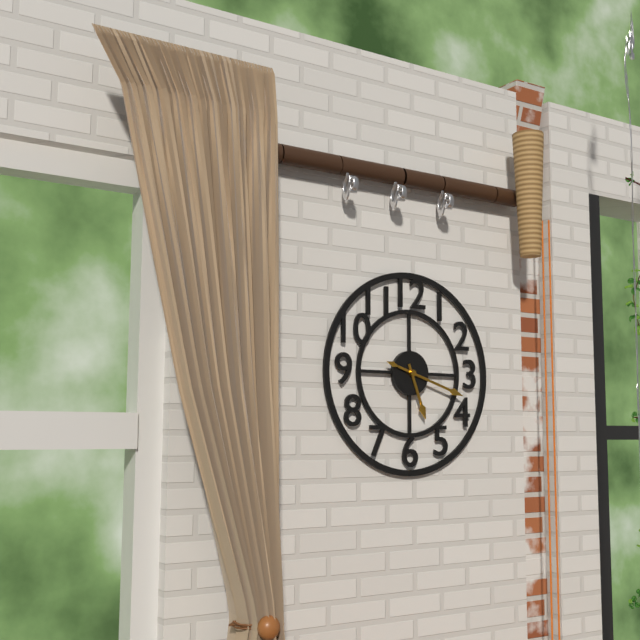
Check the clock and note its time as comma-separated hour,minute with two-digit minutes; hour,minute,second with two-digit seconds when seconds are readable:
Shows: 5,18
